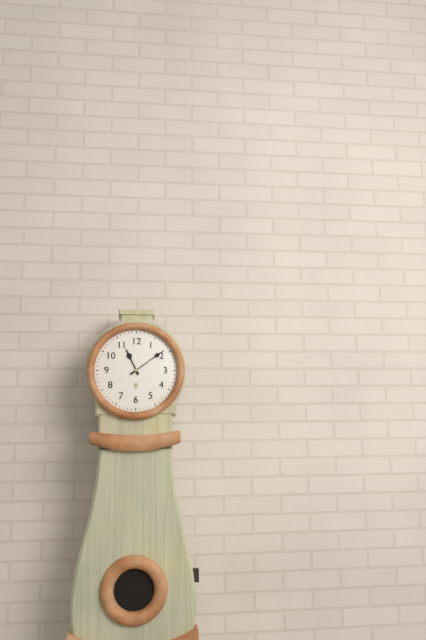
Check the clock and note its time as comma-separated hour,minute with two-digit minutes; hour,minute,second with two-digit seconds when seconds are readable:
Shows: 11,09
